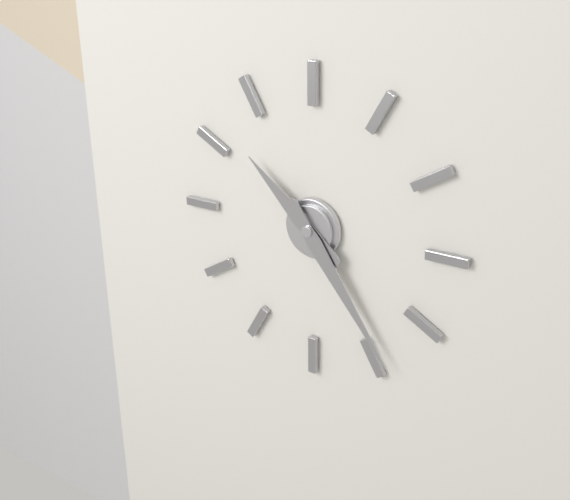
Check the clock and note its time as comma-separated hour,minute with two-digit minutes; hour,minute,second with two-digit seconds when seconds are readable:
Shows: 10,24
